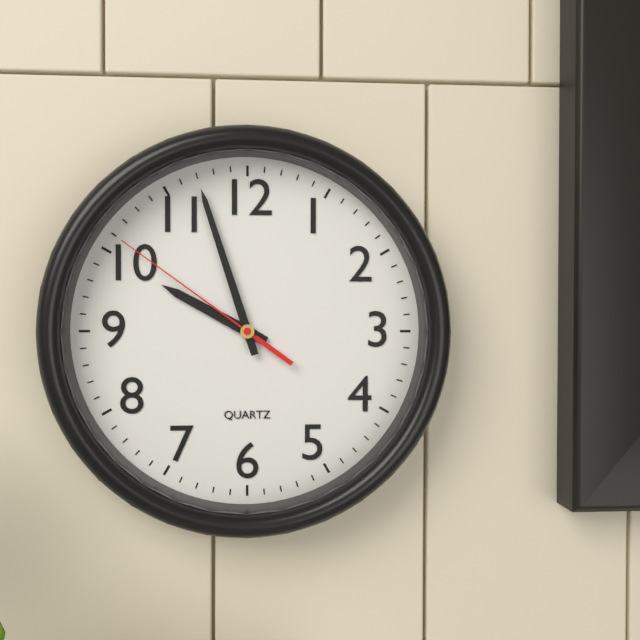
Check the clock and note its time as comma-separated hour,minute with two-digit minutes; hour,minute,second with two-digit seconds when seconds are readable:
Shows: 9,57,51
